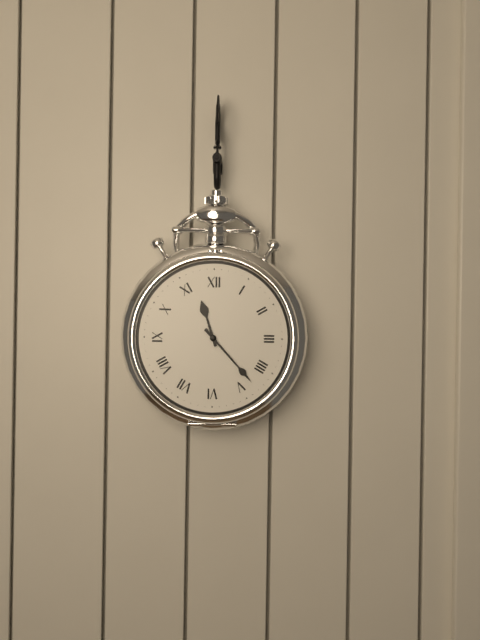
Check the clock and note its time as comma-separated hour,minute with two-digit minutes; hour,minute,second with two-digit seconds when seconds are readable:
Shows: 11,23
